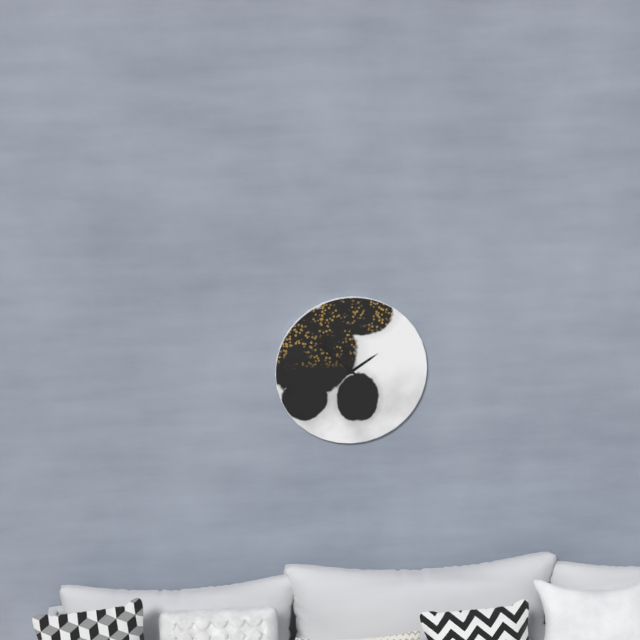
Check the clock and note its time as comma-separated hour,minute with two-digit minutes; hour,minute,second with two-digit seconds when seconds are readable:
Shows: 1,52
